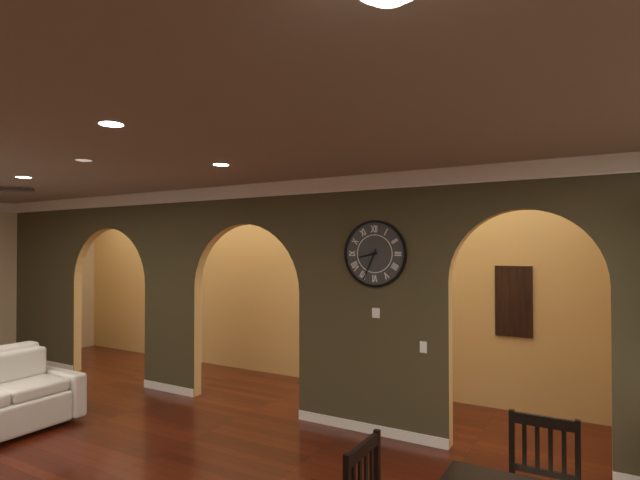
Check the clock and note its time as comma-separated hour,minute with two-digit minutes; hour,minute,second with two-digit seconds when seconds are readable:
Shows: 8,34
